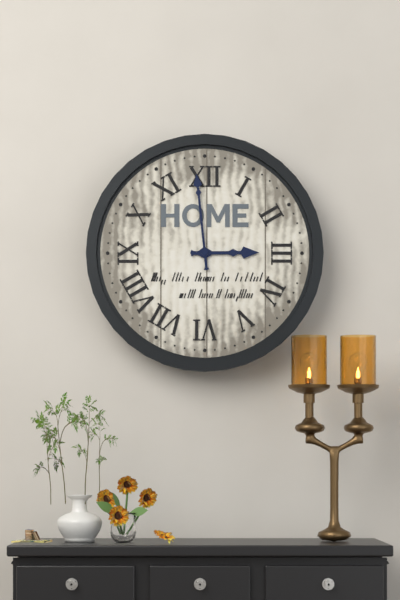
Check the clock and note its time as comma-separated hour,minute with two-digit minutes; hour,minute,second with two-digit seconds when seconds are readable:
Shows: 2,59
